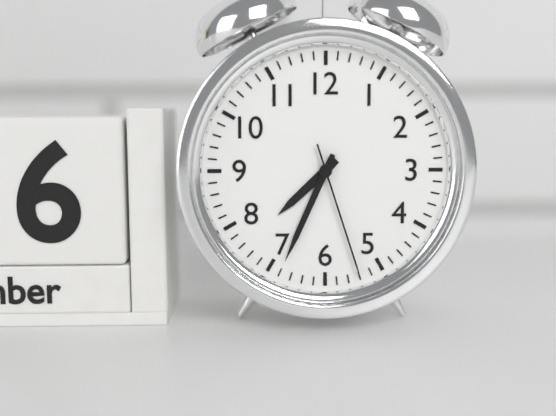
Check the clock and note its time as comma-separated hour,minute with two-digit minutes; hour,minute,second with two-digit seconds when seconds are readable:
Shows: 7,34,27
